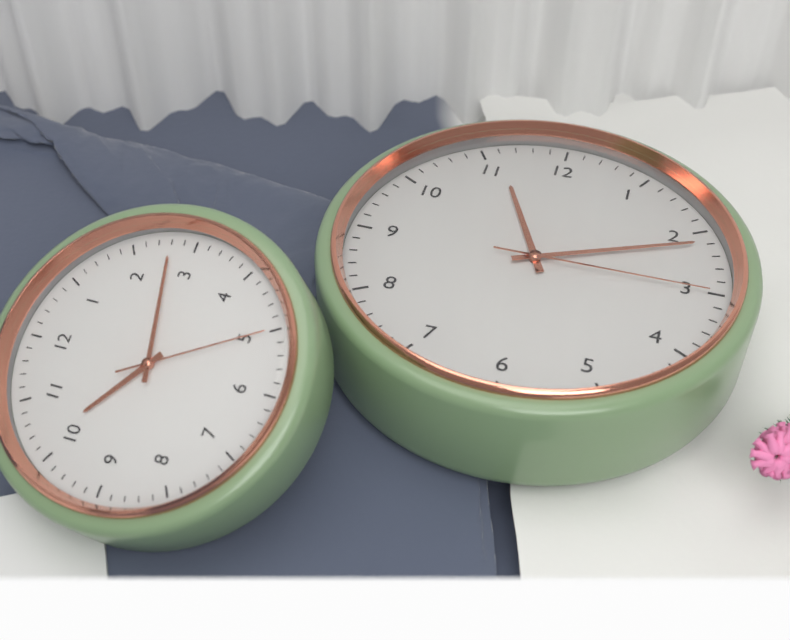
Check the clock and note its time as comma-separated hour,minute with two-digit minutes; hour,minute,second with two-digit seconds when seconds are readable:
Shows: 11,11,15
